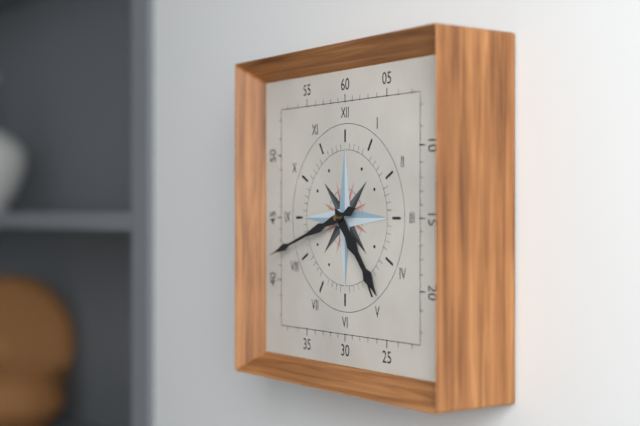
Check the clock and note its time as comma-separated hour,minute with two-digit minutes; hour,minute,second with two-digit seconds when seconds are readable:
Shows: 4,42
